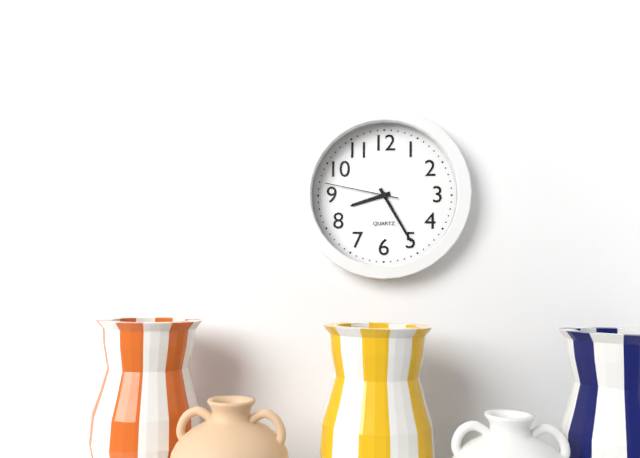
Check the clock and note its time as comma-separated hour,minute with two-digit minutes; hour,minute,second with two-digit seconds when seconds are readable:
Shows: 8,25,47
